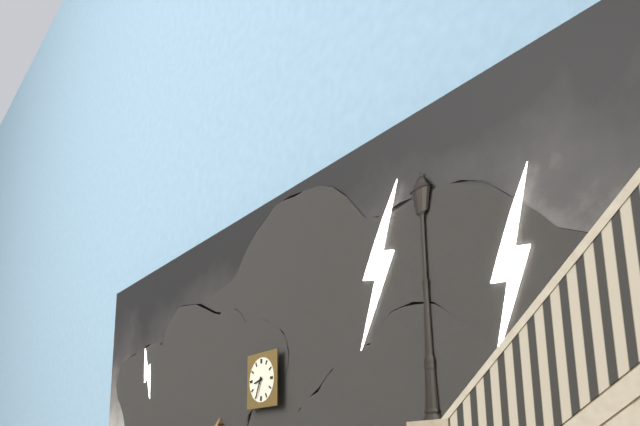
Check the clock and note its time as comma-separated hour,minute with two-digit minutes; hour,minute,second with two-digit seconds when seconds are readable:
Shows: 8,34
